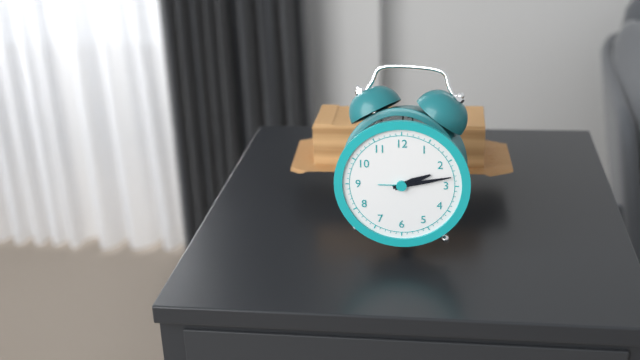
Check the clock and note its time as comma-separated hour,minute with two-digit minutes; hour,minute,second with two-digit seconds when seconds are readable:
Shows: 2,13
